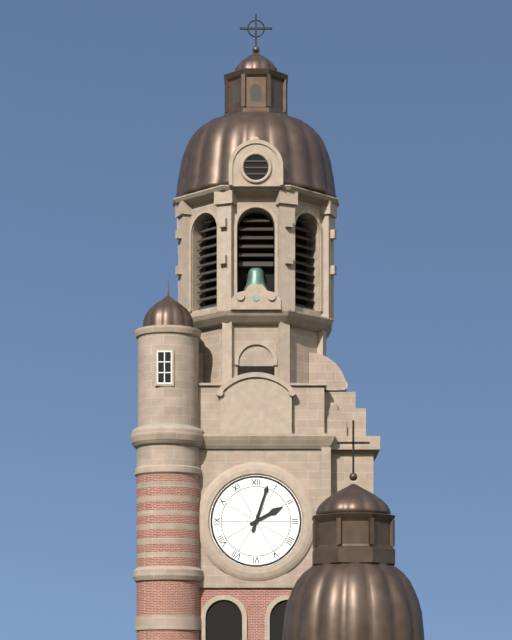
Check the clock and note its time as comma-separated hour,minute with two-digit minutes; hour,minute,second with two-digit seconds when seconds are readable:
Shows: 2,03
